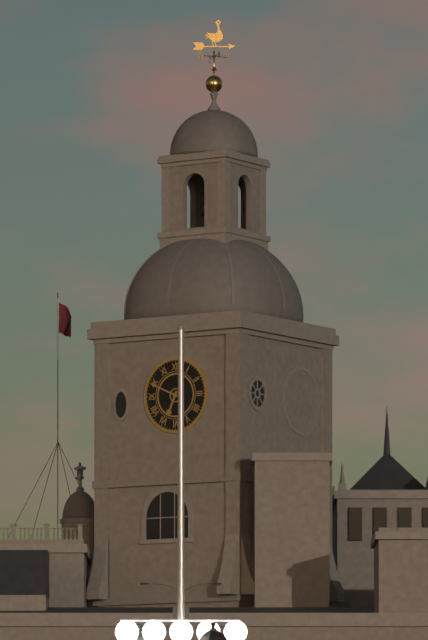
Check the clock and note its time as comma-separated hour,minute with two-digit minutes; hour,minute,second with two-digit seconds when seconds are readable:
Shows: 6,49
